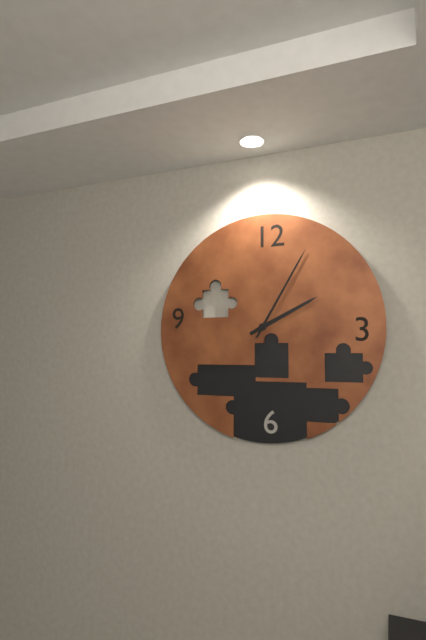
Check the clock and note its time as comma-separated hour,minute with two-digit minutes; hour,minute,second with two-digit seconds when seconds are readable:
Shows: 2,05
